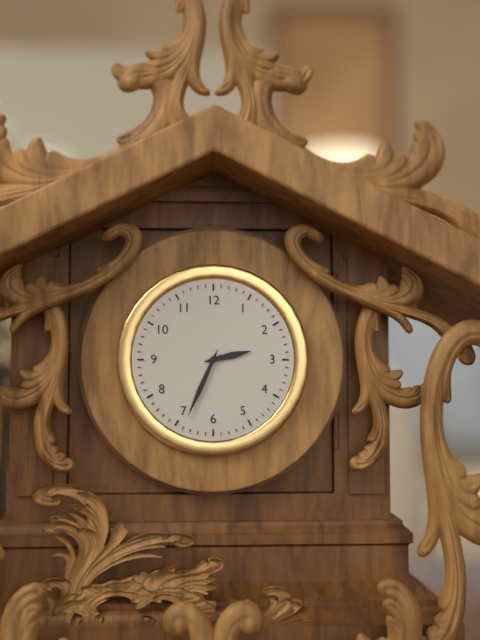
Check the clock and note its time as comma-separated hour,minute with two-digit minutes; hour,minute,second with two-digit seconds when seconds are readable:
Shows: 2,34
